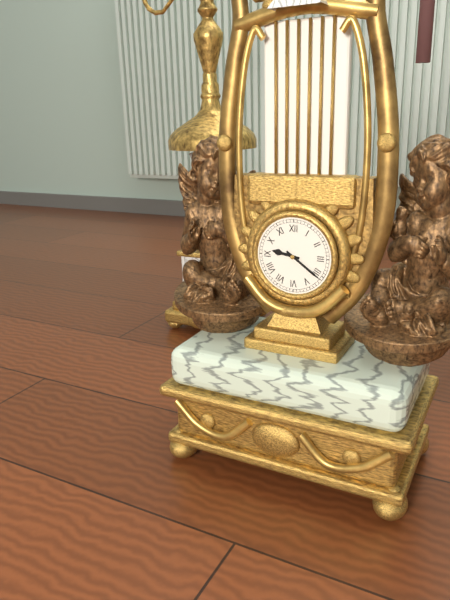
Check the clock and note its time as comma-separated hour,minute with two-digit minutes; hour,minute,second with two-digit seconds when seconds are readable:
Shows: 9,21
